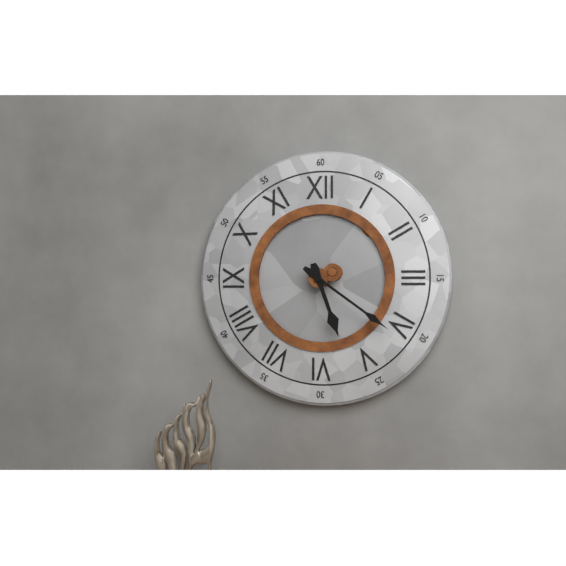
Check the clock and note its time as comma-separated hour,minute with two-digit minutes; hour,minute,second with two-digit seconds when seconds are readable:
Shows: 5,21
